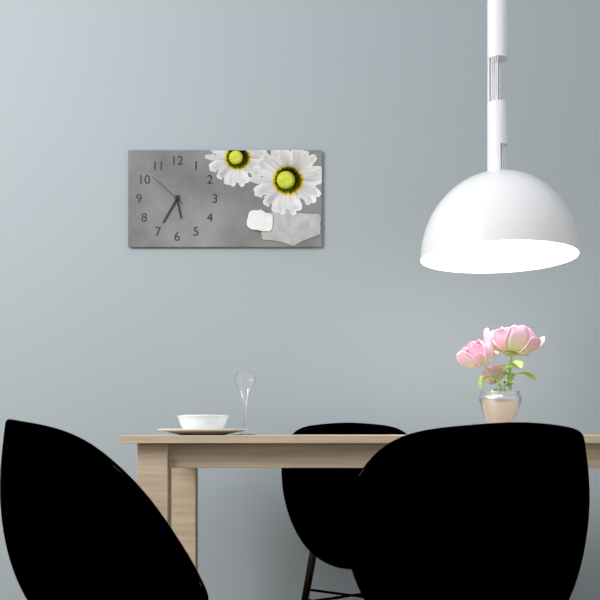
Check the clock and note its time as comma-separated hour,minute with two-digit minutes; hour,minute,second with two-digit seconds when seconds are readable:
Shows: 5,35
